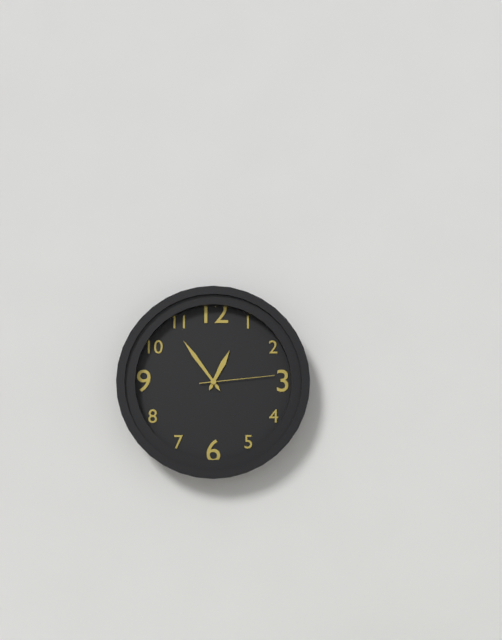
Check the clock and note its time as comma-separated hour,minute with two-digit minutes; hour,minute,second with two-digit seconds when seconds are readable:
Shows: 12,54,14
